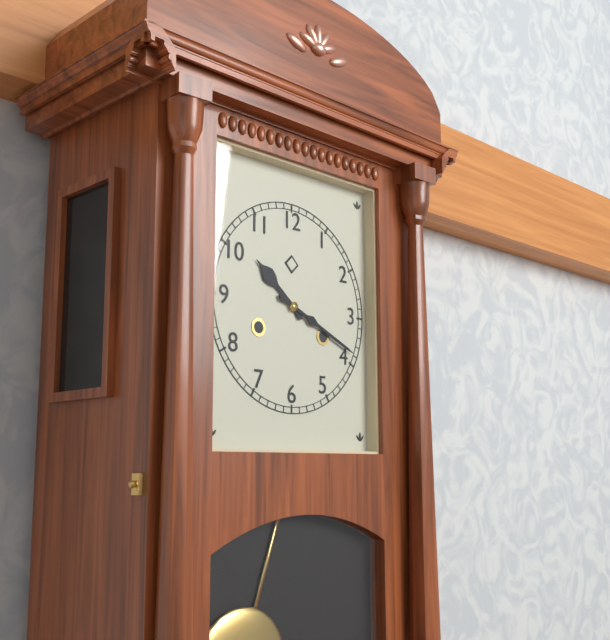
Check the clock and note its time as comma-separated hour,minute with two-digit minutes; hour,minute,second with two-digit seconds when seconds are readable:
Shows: 10,19
